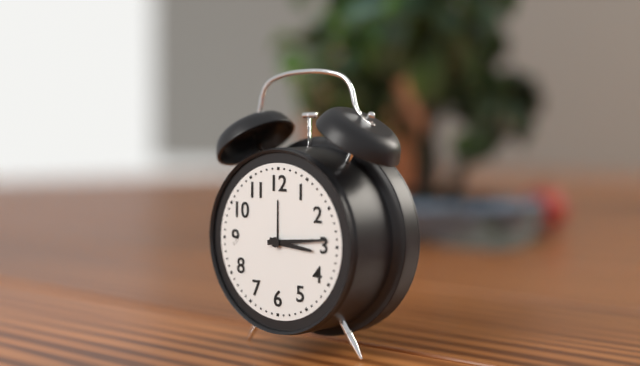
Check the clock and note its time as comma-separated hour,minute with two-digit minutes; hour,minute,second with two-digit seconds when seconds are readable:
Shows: 3,14
